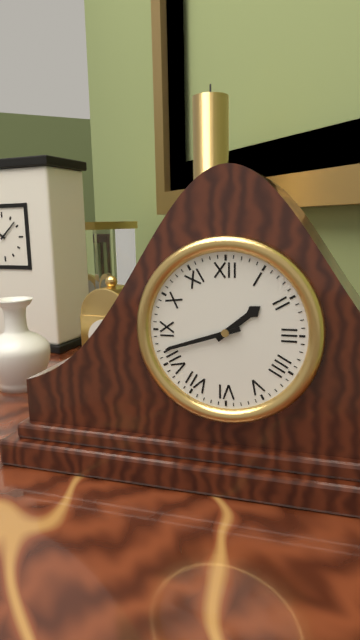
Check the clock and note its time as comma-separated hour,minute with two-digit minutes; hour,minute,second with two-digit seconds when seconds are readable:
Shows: 1,42
